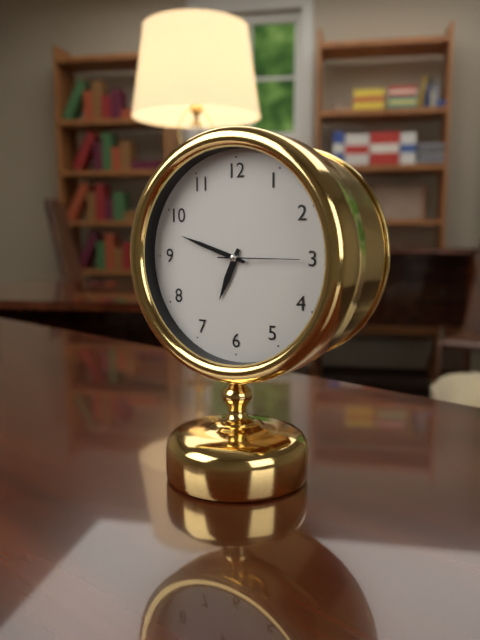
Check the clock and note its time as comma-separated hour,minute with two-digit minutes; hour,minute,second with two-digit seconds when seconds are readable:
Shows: 6,48,15
